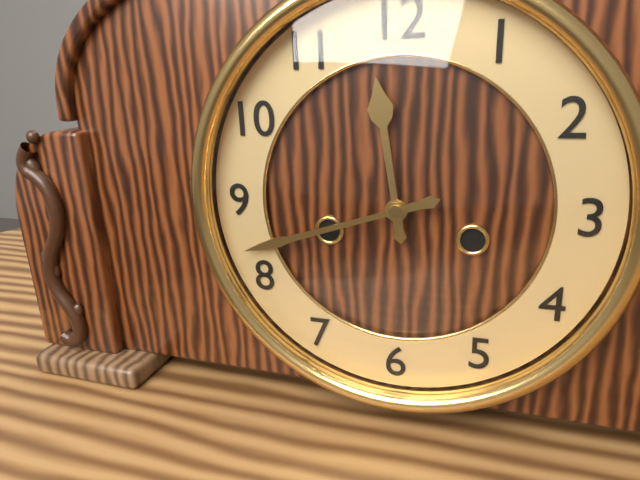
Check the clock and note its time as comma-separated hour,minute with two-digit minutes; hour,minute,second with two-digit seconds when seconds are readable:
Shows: 11,42
